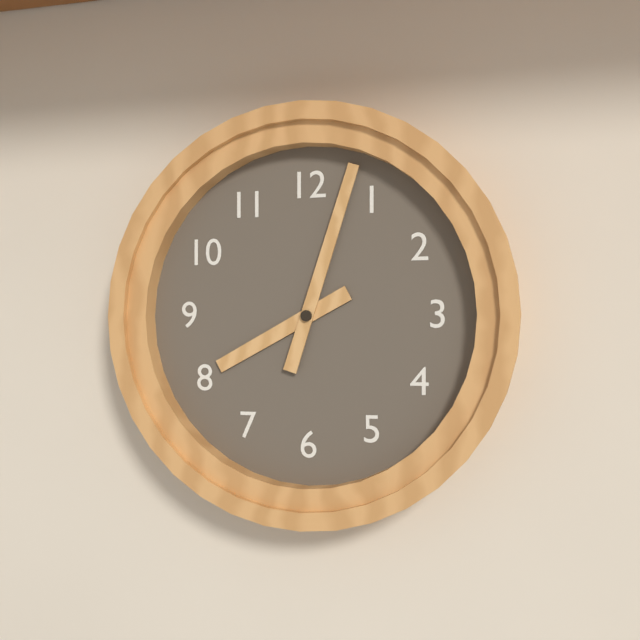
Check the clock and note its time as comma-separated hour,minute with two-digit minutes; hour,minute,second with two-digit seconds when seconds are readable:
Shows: 8,03
